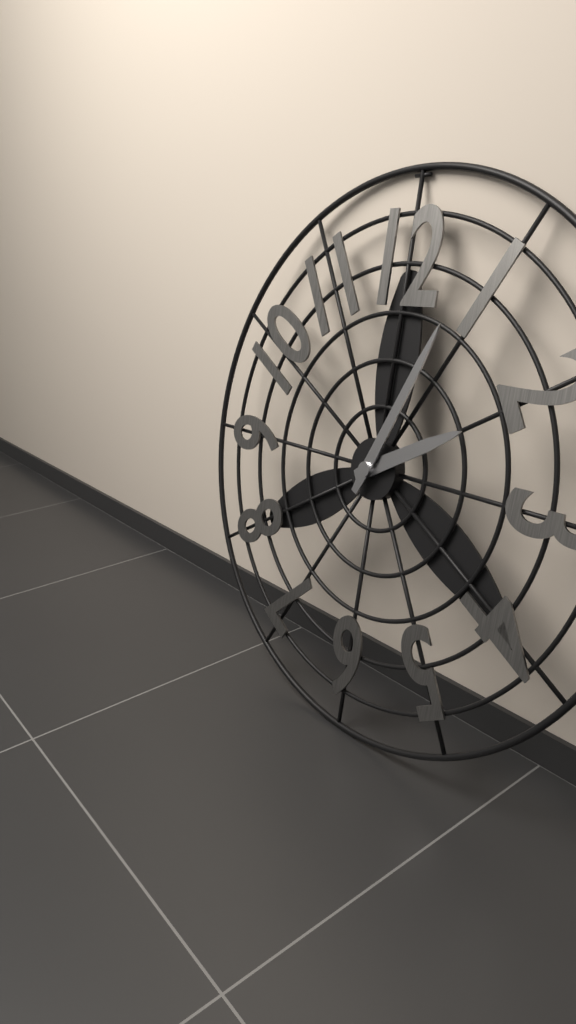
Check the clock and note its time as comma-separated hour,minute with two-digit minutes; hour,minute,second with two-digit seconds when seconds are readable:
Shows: 2,04
